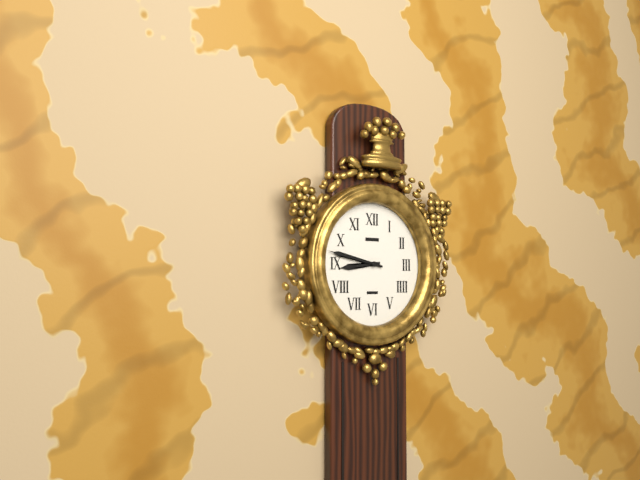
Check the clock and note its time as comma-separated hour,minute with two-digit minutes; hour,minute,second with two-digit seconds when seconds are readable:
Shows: 8,47
